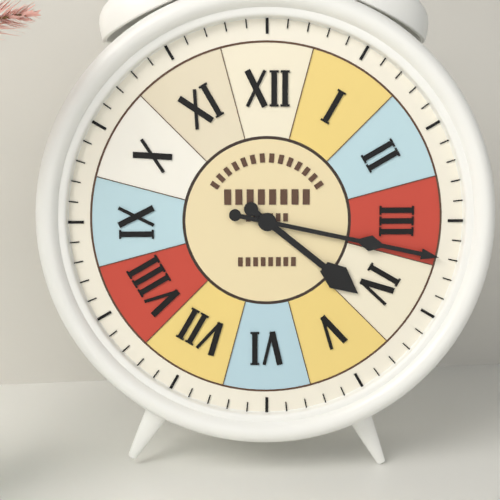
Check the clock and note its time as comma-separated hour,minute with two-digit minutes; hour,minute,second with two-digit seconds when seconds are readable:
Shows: 4,17
